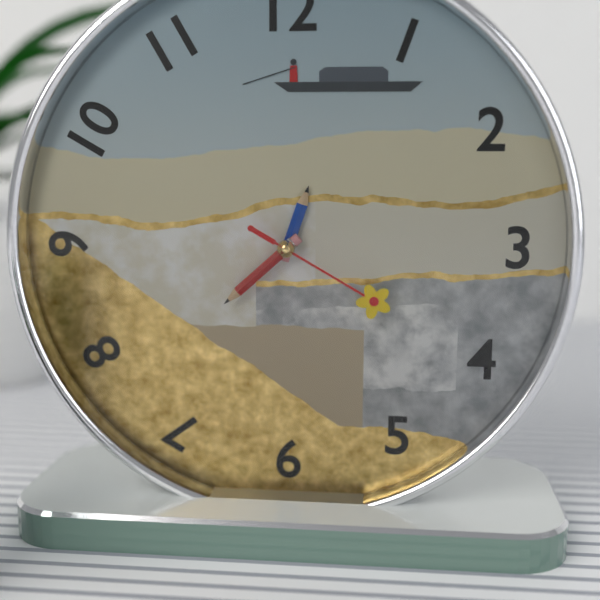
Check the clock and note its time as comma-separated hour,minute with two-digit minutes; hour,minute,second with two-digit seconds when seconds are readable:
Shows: 12,38,20
